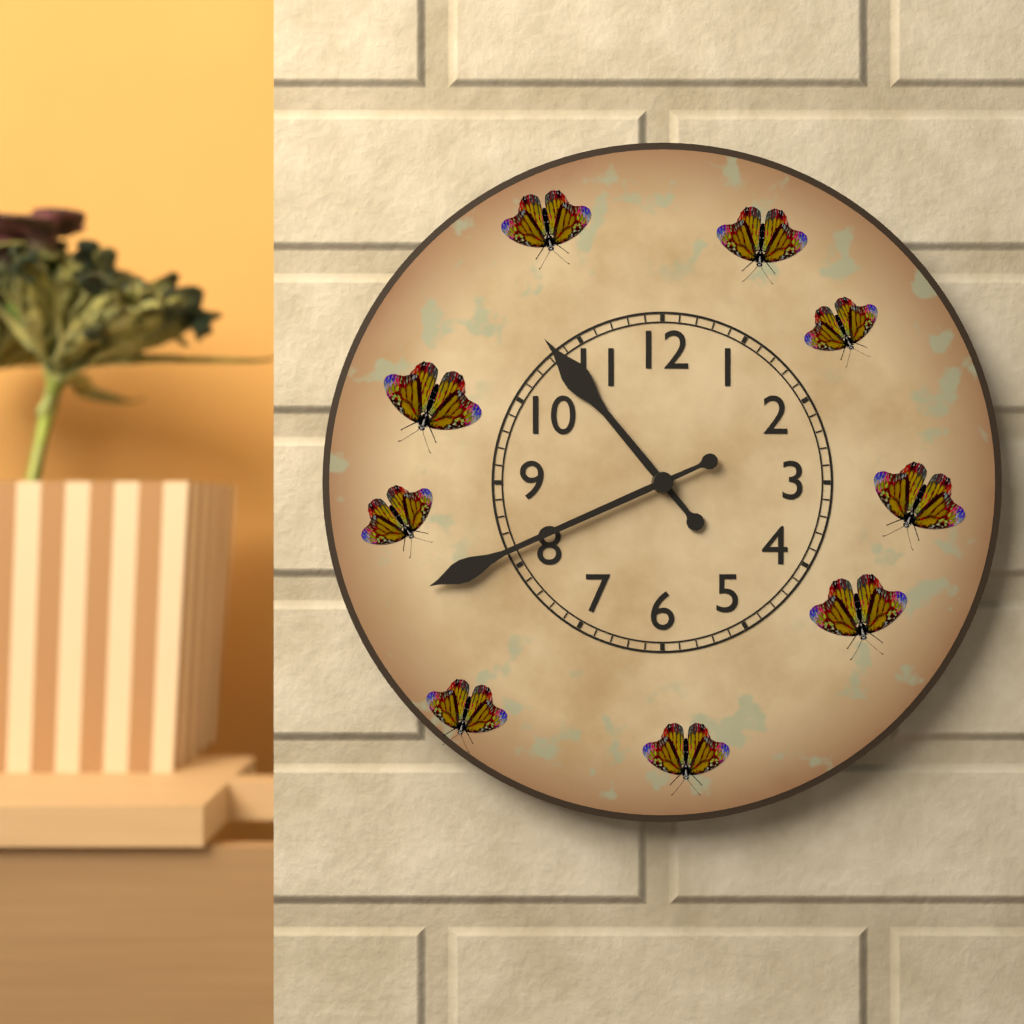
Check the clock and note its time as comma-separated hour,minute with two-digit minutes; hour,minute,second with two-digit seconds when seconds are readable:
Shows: 10,41
